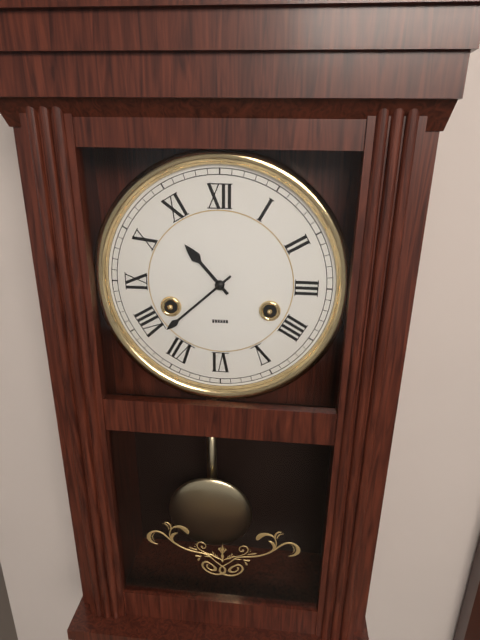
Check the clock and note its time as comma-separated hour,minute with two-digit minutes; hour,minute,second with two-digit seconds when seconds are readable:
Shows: 10,38
